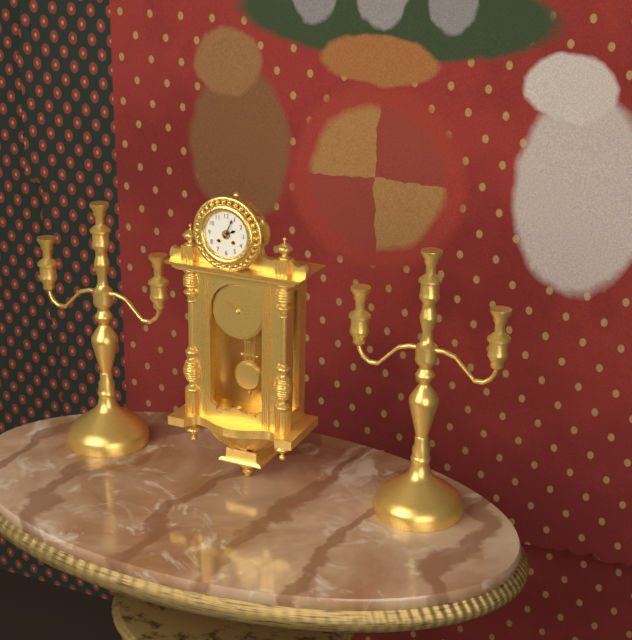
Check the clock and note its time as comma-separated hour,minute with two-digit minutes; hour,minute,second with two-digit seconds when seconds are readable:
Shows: 2,04
